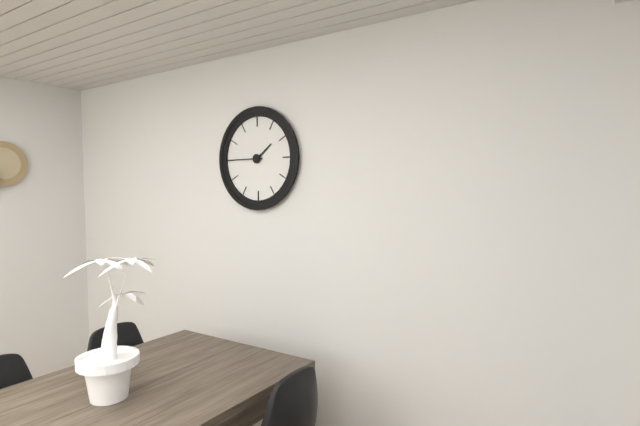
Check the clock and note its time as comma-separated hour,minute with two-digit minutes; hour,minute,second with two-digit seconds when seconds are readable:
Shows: 1,45
